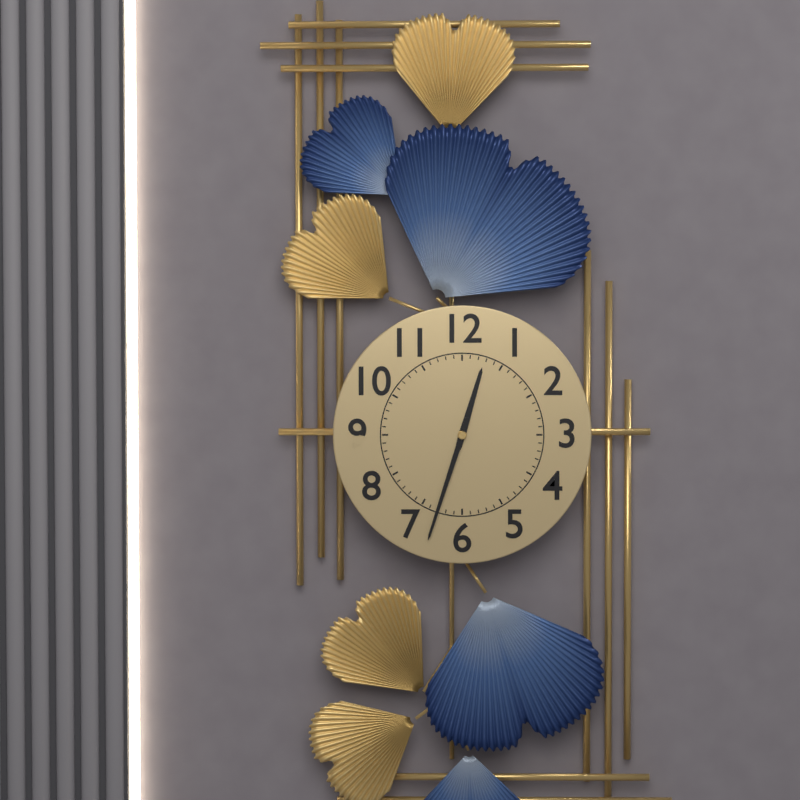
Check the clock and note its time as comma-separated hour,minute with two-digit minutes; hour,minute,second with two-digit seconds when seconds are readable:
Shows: 12,33
